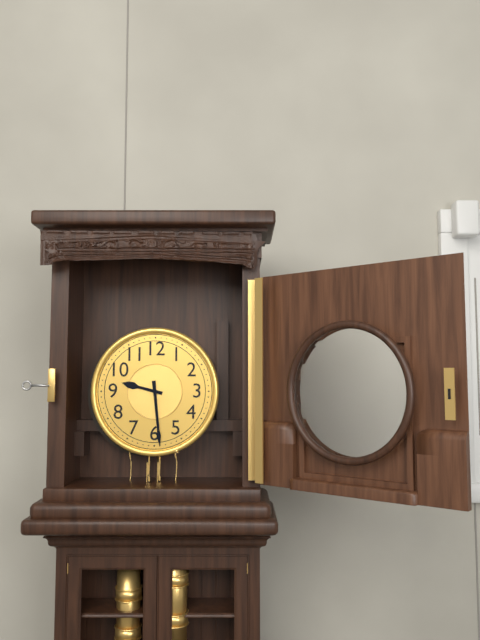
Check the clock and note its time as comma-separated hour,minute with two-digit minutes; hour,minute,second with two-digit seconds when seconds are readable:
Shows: 9,29
